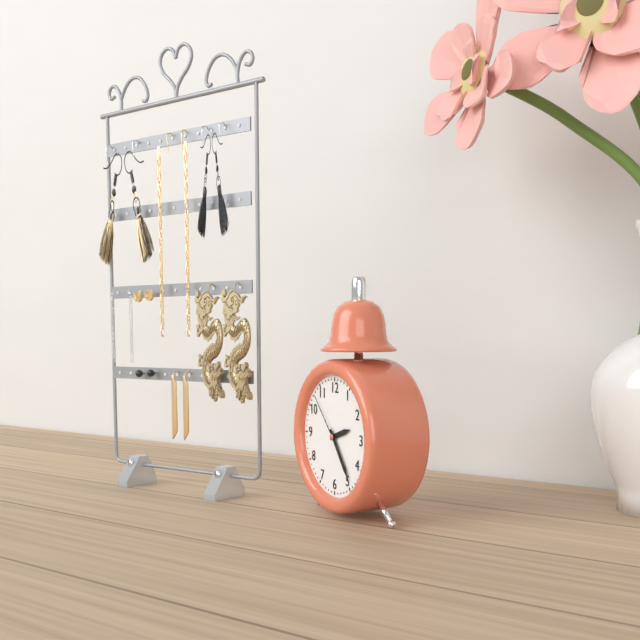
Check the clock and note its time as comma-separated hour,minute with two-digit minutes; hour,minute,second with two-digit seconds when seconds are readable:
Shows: 2,24,53
